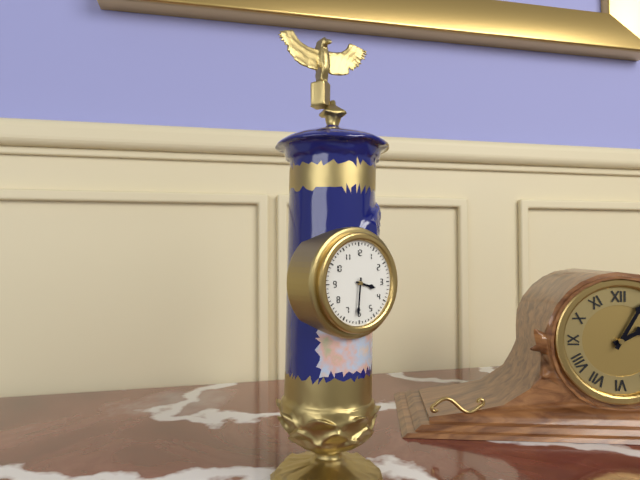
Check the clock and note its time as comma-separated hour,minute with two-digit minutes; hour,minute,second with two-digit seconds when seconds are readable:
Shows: 3,31
